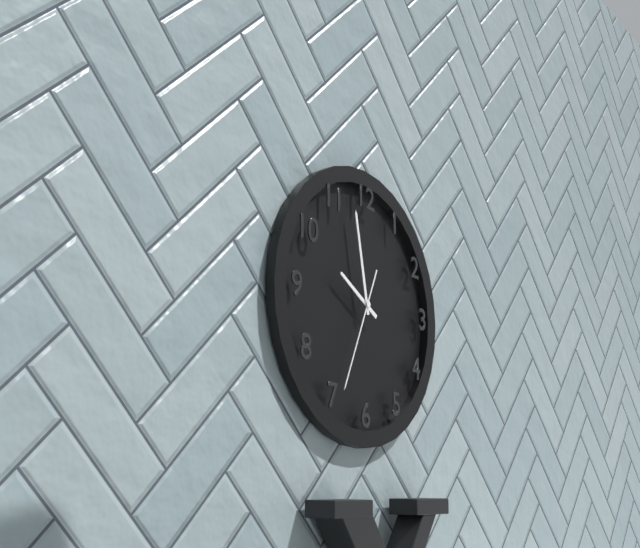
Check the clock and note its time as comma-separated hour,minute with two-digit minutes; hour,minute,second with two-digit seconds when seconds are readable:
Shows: 9,58,34
